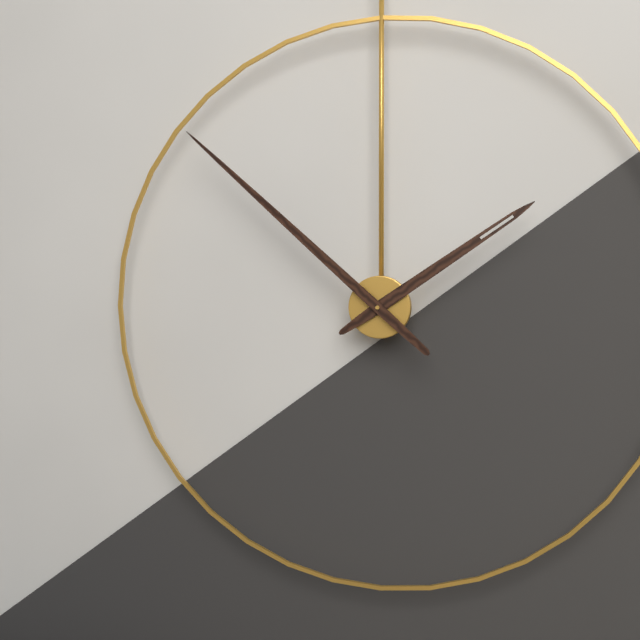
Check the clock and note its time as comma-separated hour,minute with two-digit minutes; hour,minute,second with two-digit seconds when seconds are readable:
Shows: 1,52
